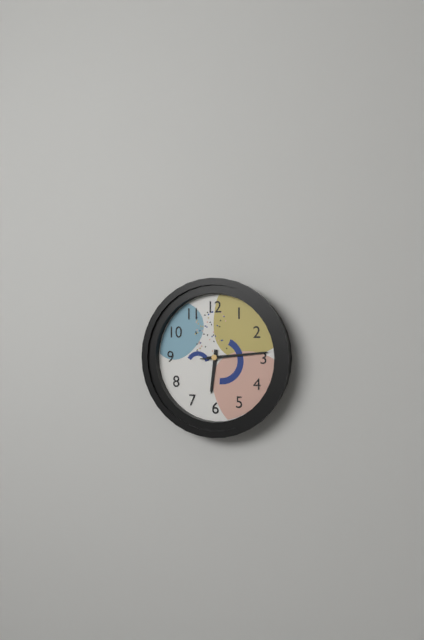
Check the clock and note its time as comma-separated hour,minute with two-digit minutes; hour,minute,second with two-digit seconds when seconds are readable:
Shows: 6,14,14
